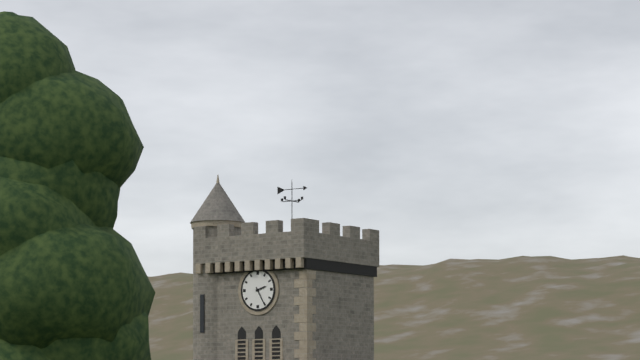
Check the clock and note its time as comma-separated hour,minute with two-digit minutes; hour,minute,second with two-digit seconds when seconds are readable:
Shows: 2,25
